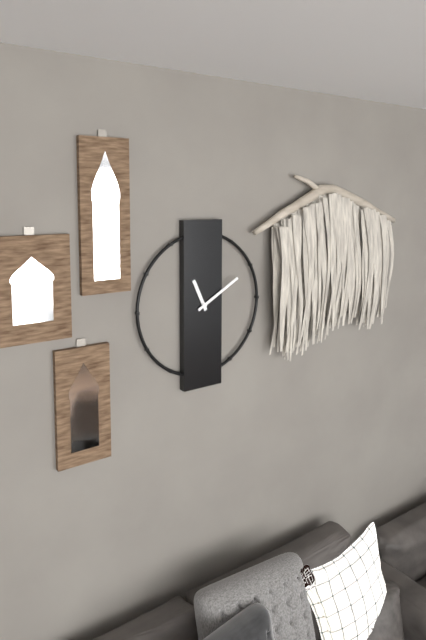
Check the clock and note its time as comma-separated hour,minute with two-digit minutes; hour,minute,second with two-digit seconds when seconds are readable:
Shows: 11,10
